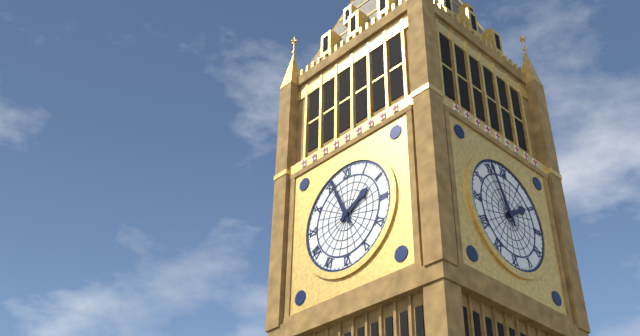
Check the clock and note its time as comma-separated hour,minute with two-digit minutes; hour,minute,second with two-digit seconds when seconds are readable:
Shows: 1,56
